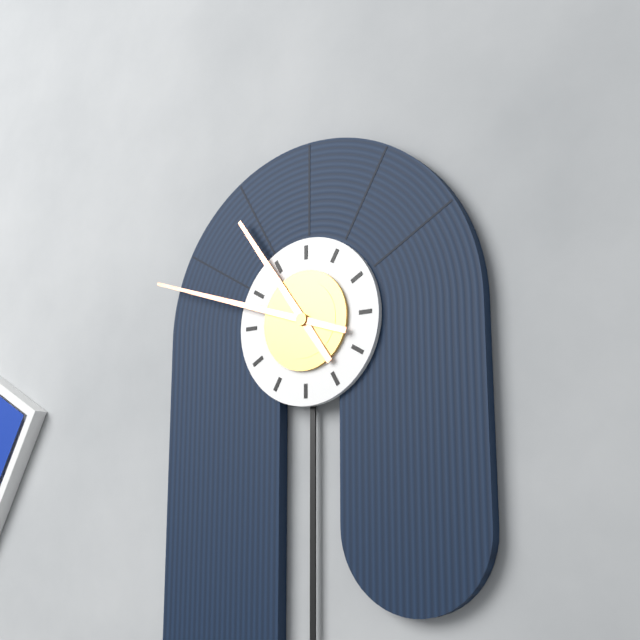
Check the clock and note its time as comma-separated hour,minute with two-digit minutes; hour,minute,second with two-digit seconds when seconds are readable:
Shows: 10,48
